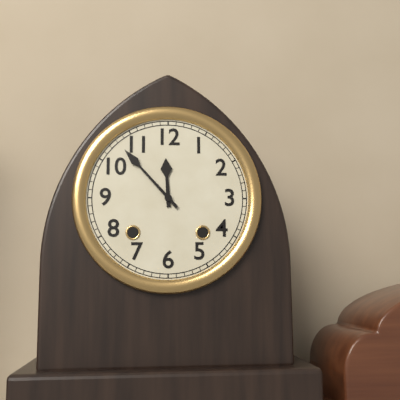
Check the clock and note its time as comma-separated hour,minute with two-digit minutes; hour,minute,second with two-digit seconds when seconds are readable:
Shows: 11,53
